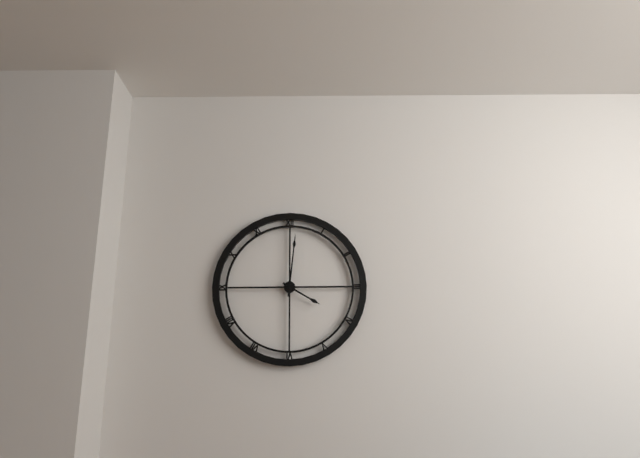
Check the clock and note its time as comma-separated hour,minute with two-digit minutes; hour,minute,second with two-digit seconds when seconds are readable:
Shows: 4,01
